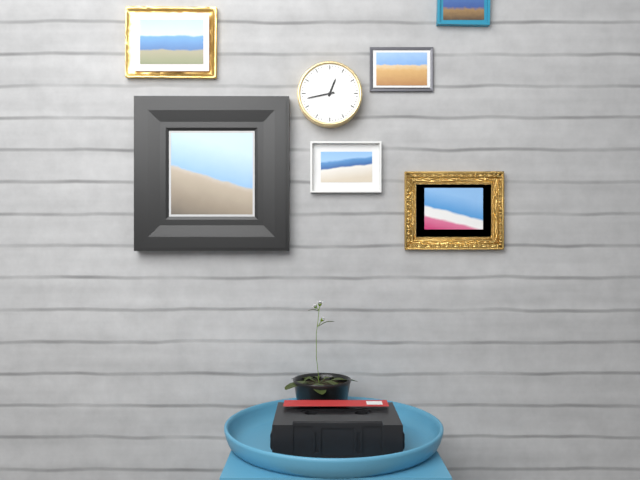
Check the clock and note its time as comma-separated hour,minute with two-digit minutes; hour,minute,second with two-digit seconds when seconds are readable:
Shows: 12,43
